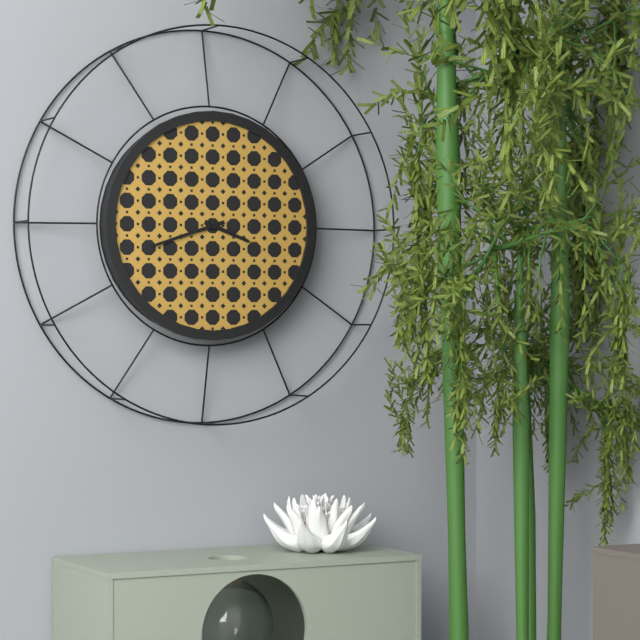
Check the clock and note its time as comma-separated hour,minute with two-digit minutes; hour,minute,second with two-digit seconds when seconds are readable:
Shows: 3,42
